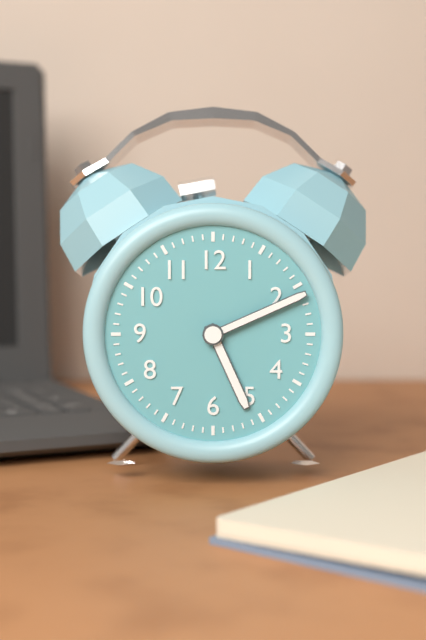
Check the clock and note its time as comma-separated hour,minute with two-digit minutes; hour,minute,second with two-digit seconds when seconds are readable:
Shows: 5,11
